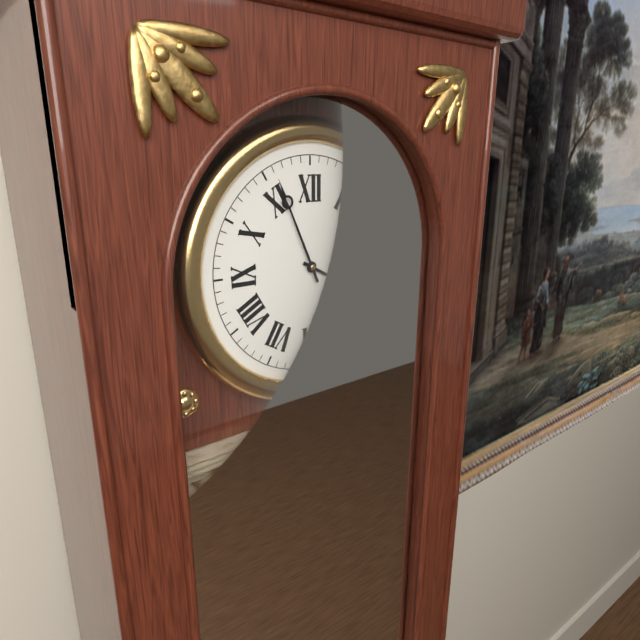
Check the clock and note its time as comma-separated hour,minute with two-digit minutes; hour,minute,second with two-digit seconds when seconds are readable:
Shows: 3,56
